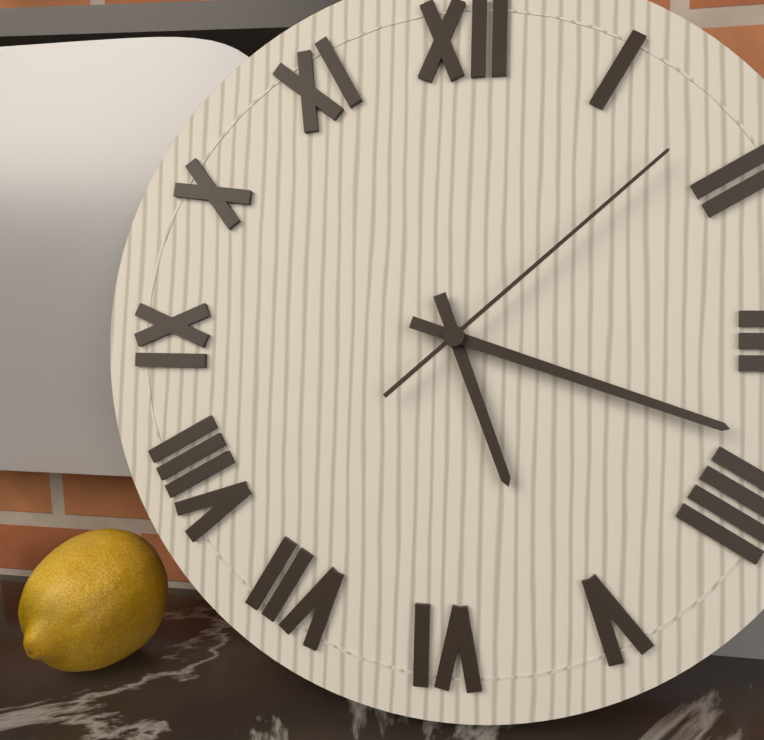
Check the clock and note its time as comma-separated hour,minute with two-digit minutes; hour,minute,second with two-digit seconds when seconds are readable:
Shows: 5,18,08
